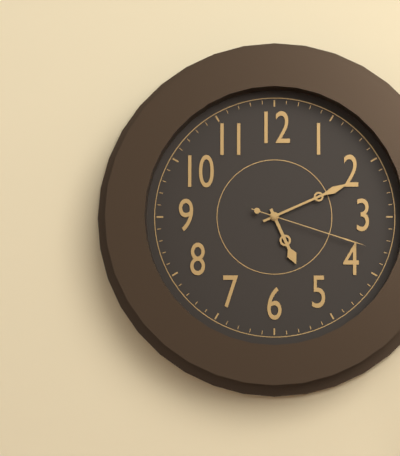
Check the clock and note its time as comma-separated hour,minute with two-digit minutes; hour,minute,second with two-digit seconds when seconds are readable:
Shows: 5,11,18
